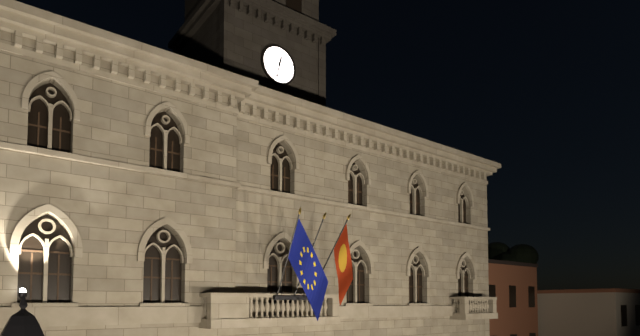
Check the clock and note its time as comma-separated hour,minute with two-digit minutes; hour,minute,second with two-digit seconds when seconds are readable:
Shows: 12,32
